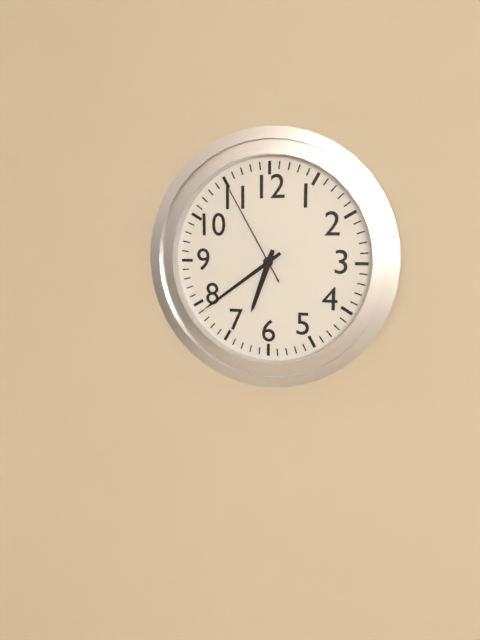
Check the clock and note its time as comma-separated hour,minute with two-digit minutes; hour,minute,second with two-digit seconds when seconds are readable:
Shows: 6,39,55
